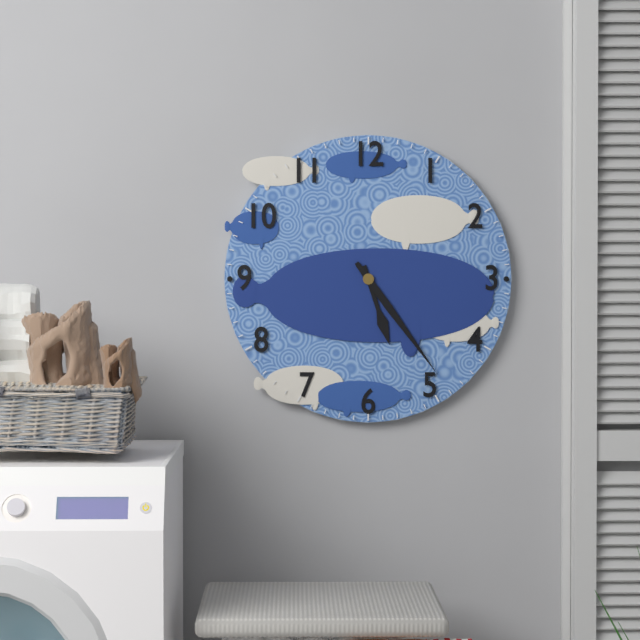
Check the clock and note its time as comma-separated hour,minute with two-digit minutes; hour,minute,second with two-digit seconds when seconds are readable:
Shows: 5,24
